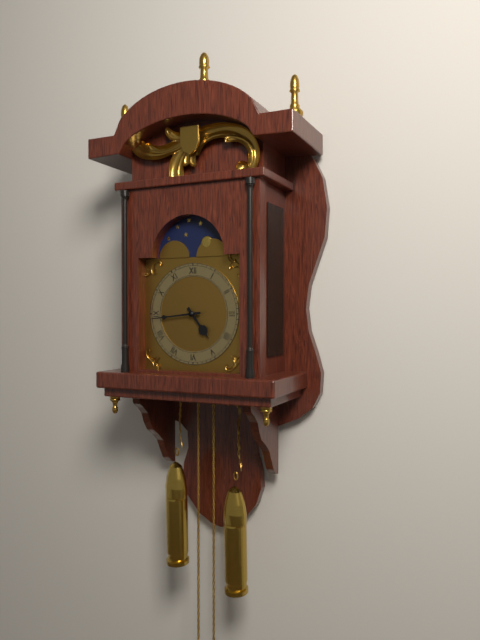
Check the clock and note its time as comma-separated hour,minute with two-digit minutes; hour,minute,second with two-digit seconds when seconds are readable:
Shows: 4,44
